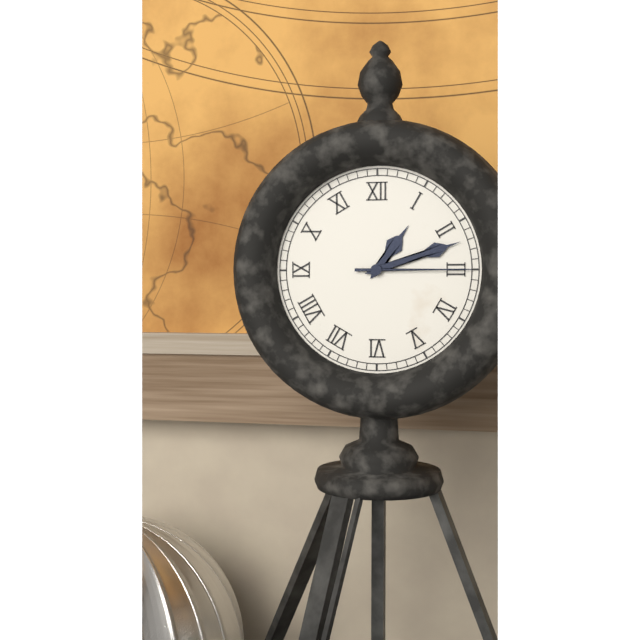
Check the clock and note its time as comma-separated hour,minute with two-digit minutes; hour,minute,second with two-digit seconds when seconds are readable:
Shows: 1,12,15
